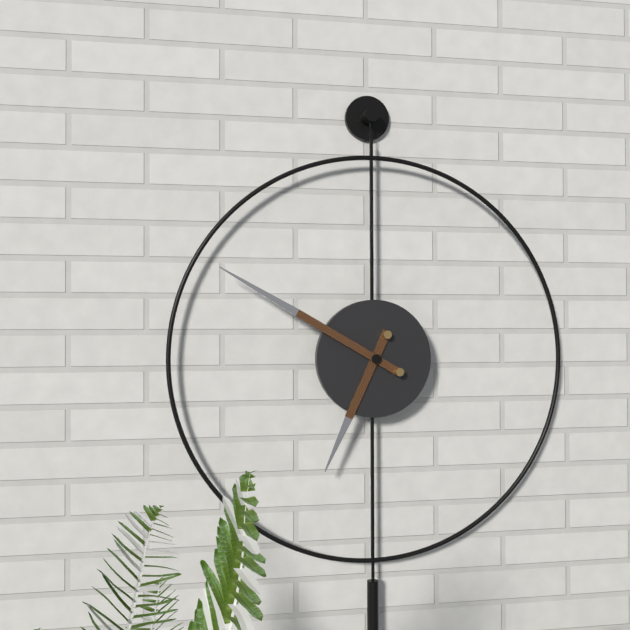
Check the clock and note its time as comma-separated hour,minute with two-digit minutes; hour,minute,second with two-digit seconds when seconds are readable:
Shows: 6,50
